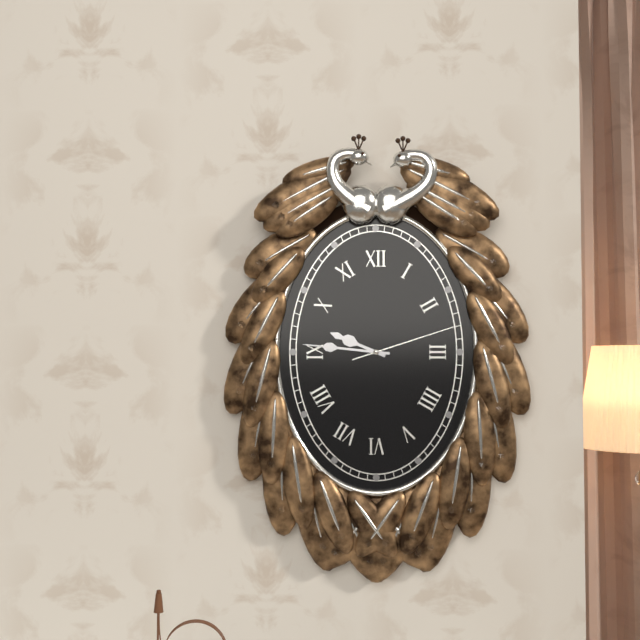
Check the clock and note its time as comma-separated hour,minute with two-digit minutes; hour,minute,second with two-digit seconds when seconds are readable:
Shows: 9,46,12
